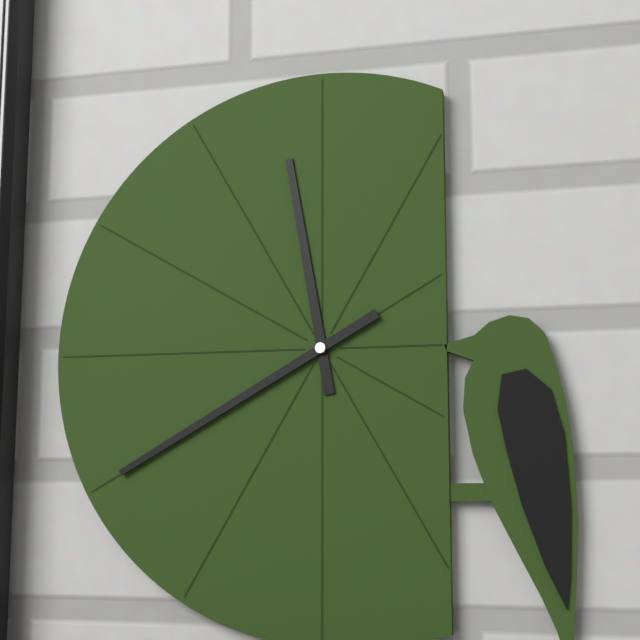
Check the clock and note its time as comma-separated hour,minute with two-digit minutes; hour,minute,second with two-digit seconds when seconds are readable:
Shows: 11,40
